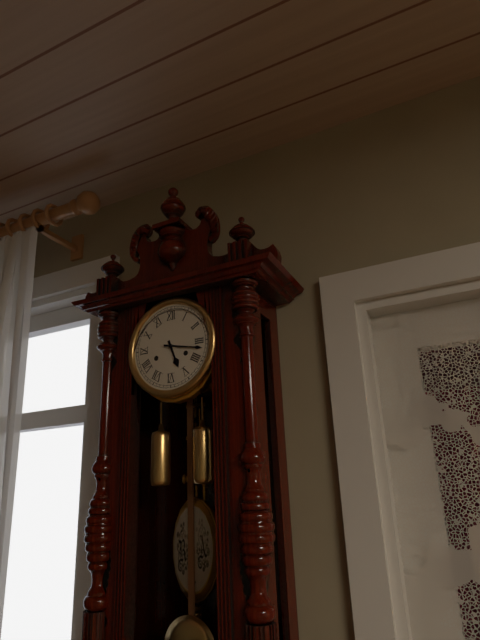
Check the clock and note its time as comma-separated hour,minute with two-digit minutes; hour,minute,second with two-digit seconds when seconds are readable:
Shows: 5,17
